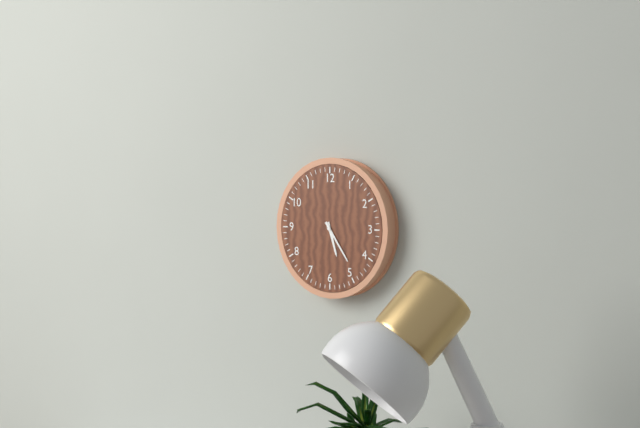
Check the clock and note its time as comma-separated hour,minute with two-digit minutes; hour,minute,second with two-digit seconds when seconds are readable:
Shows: 5,24
